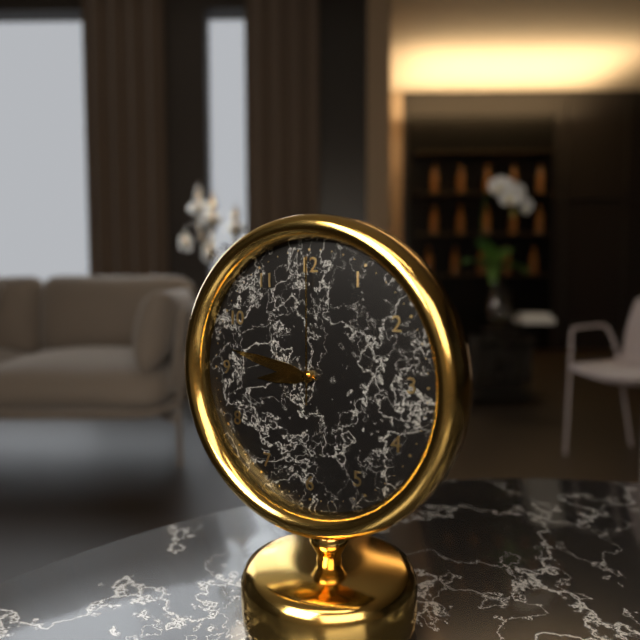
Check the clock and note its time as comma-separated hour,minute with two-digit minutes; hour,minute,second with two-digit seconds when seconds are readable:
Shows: 8,47,00
